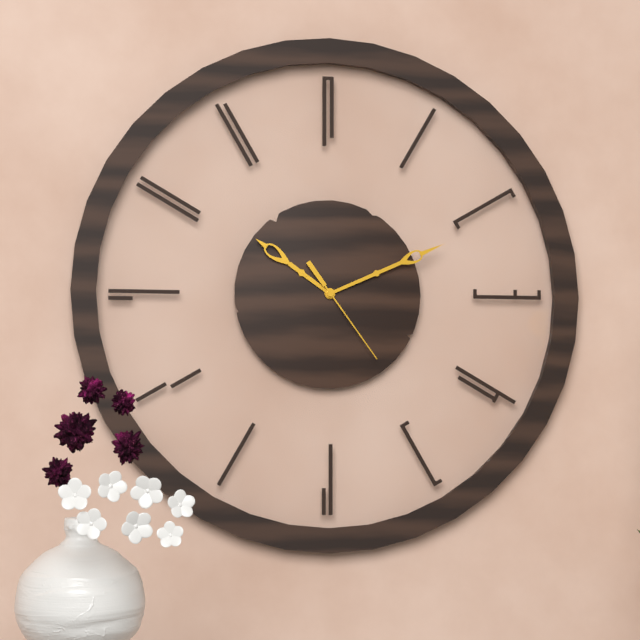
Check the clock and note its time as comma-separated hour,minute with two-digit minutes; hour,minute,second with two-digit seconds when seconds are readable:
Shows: 10,11,24
